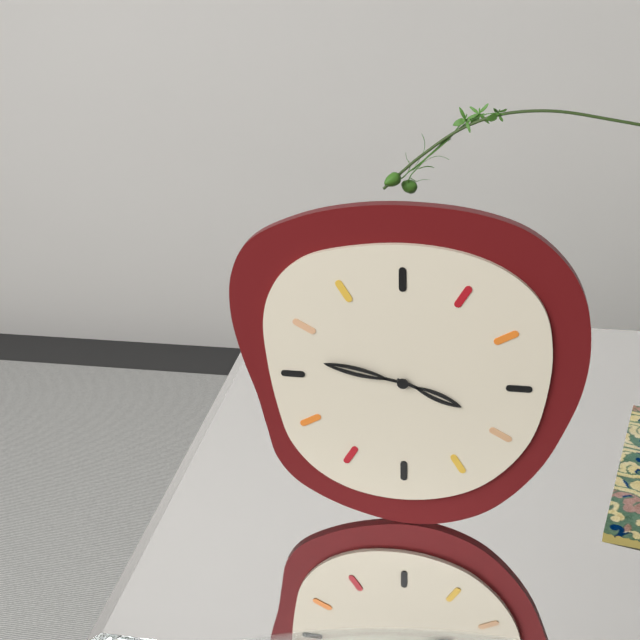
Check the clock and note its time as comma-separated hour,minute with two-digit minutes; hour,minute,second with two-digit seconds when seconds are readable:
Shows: 3,47
